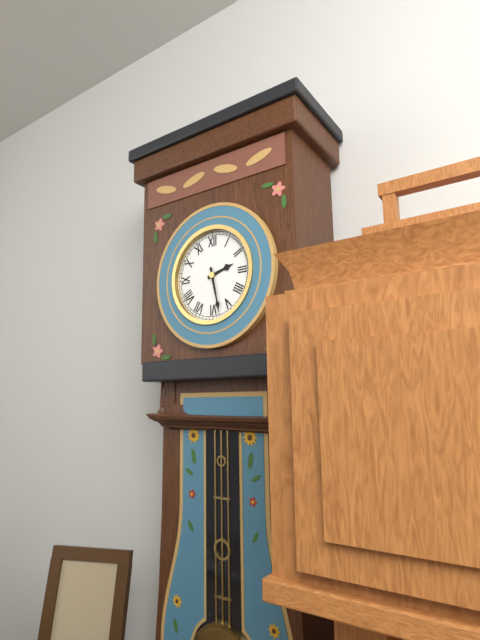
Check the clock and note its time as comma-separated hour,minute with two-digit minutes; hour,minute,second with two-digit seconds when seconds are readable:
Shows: 2,28
